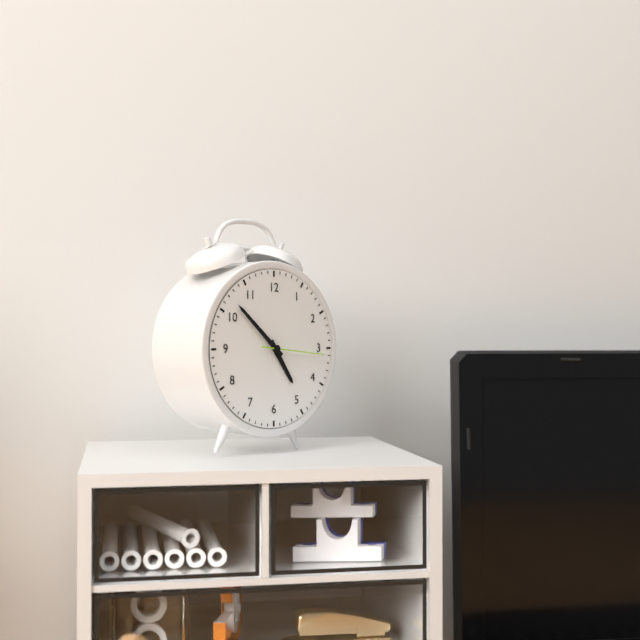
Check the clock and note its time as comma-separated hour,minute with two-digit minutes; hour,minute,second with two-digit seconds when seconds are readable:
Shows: 4,52,16
